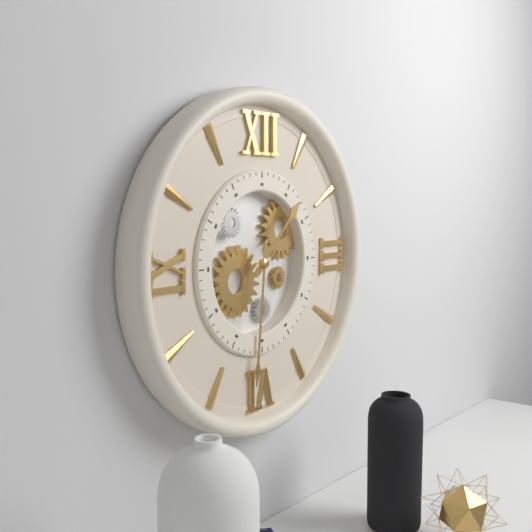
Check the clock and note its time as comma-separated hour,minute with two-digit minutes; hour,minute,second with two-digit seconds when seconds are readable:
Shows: 1,31
